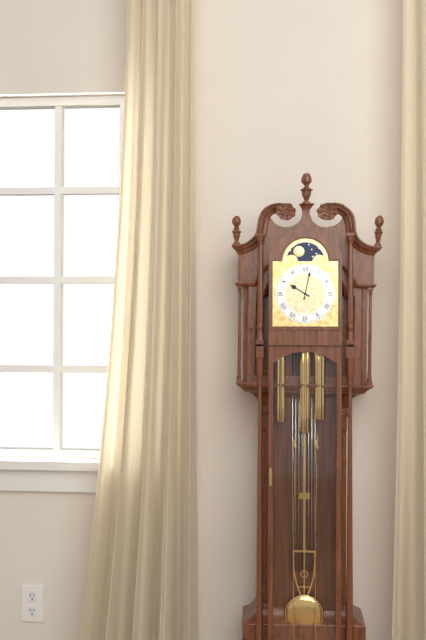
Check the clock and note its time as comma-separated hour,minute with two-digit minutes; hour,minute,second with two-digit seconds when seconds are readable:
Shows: 10,02
